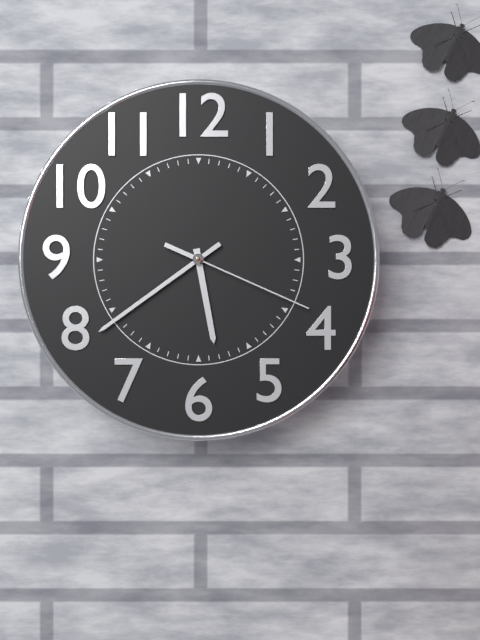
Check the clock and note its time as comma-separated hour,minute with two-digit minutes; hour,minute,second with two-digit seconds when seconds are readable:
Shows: 5,39,19
